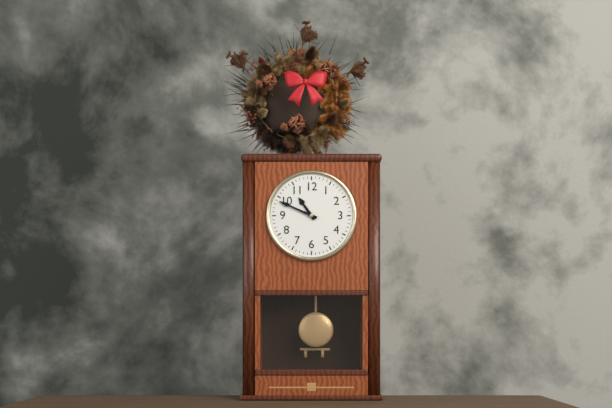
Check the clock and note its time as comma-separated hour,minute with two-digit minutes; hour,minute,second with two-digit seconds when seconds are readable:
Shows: 10,49
